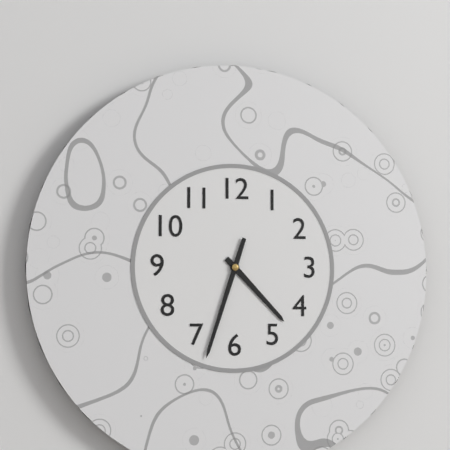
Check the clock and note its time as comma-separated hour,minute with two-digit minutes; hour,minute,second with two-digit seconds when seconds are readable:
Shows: 4,33
